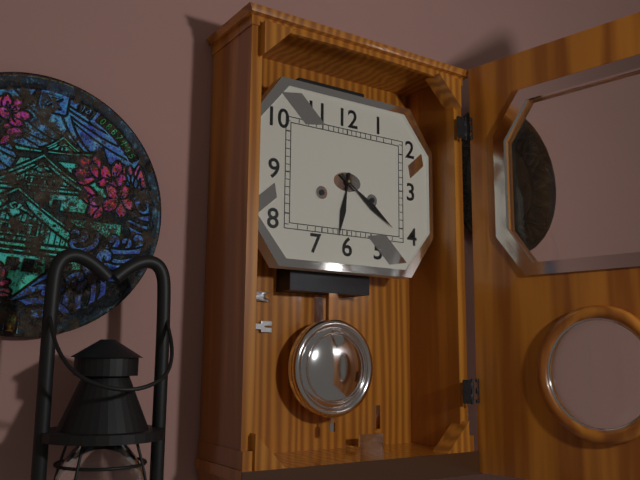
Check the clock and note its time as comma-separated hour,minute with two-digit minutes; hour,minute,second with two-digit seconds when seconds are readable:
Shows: 6,21
